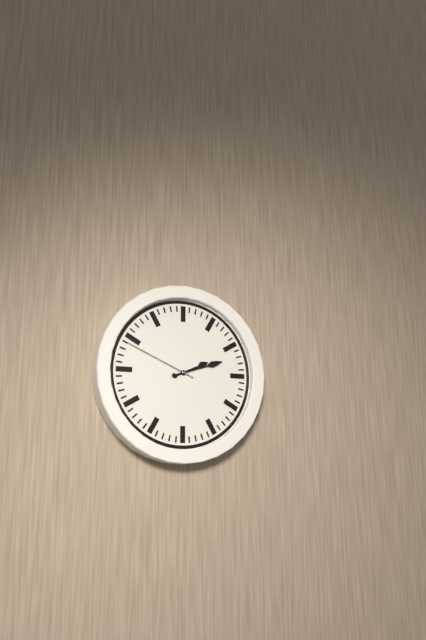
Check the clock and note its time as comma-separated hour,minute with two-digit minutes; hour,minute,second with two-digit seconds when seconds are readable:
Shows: 2,12,49
